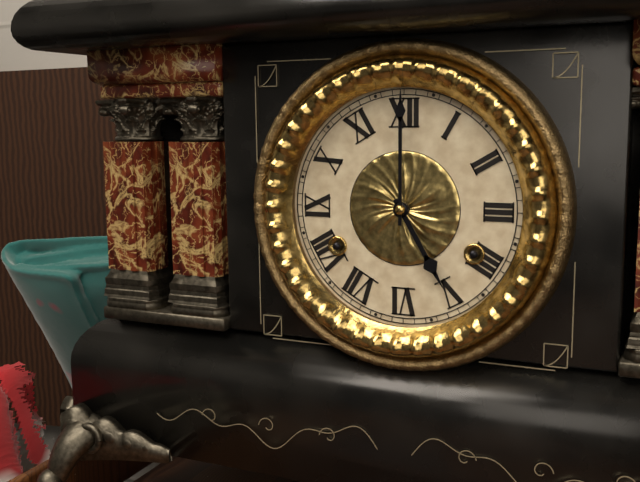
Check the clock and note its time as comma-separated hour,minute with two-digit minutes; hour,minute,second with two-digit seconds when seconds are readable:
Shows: 5,00
